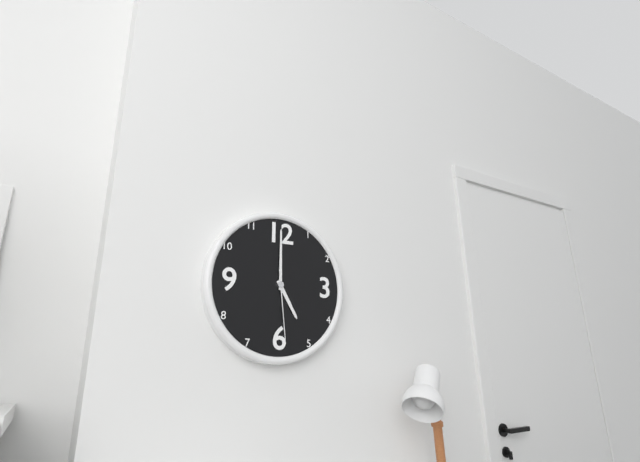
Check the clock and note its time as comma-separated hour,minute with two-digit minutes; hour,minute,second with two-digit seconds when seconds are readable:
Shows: 5,00,29
